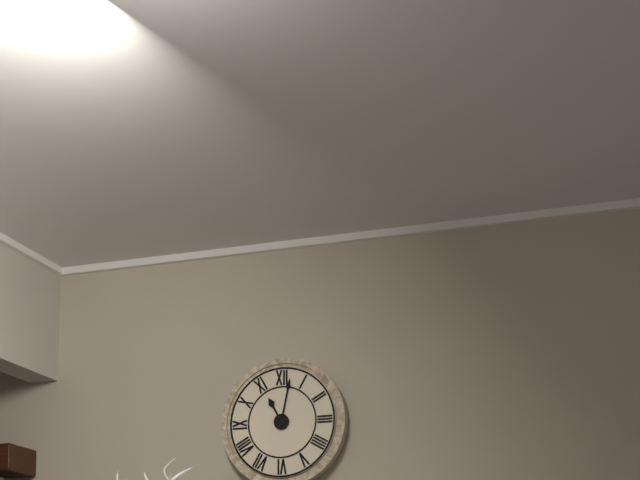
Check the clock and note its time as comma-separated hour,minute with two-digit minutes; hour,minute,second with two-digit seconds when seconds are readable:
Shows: 11,02
